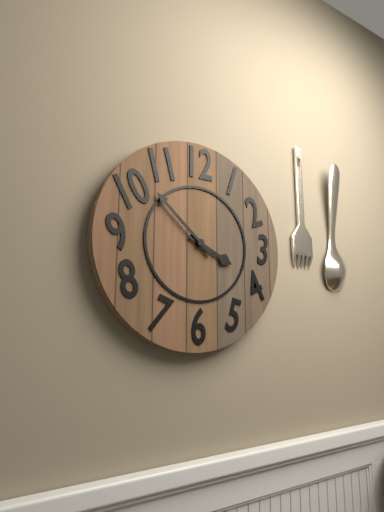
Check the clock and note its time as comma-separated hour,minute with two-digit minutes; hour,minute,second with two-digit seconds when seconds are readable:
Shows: 3,52
